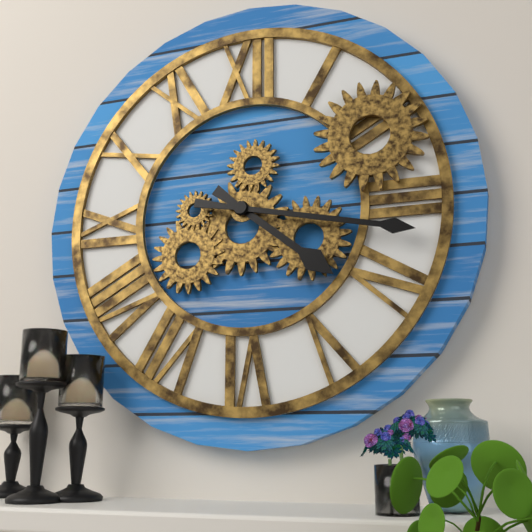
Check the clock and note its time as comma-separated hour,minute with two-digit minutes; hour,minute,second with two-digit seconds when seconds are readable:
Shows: 4,17
